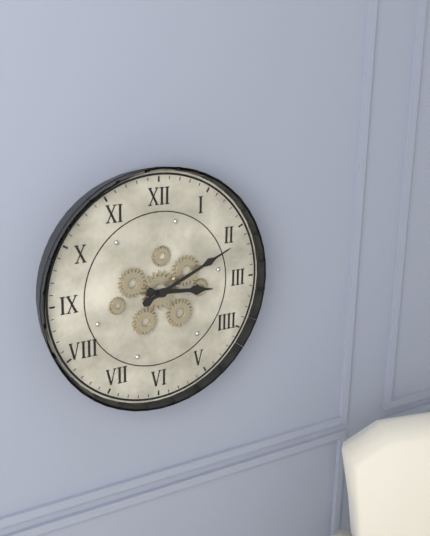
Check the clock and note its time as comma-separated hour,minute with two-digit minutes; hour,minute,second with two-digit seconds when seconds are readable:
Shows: 3,11
